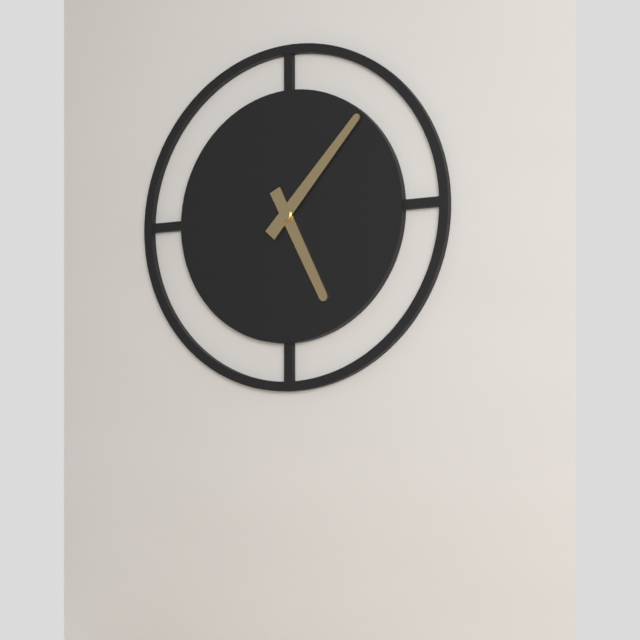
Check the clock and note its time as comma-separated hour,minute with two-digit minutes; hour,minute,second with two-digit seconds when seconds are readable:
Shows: 5,07
